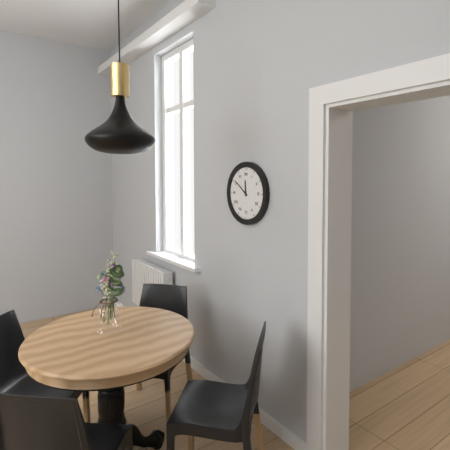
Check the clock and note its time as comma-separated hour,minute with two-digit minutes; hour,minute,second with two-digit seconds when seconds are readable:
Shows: 11,51
